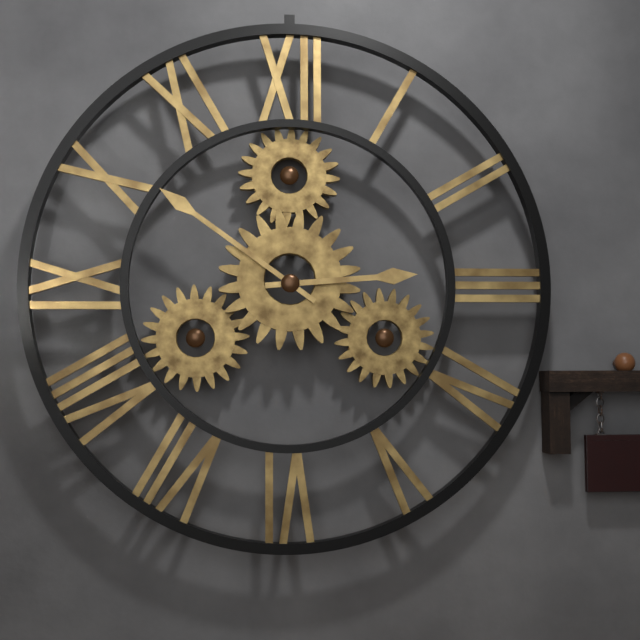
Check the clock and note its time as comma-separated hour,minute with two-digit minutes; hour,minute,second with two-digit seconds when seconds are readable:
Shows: 2,51
